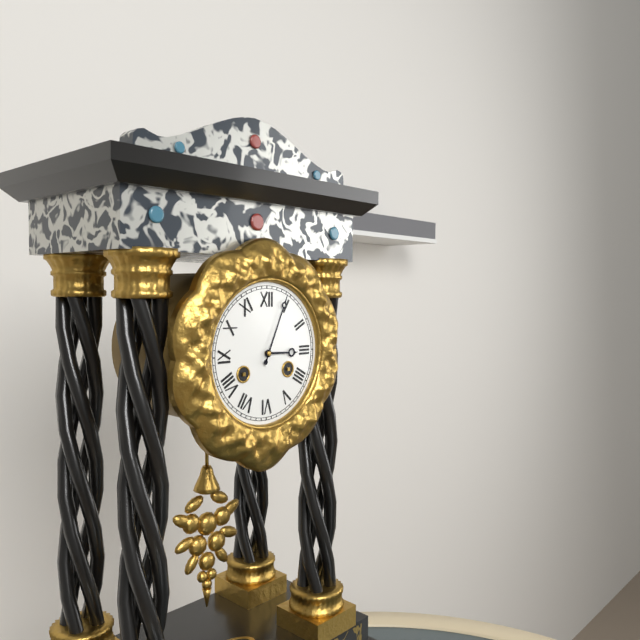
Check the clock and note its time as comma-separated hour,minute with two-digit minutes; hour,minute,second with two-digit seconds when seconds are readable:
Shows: 3,04
